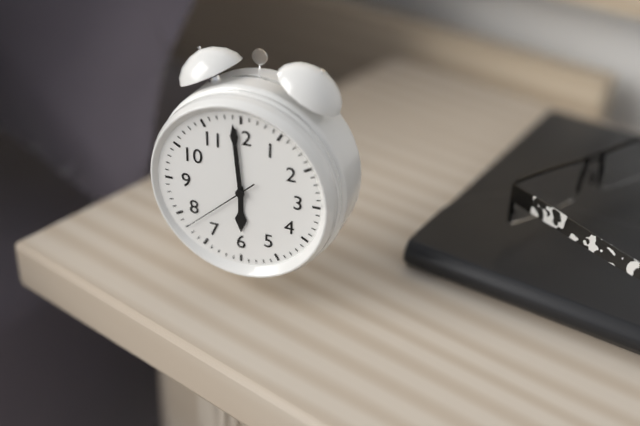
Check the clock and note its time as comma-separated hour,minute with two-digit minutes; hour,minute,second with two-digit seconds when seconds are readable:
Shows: 5,59,38
